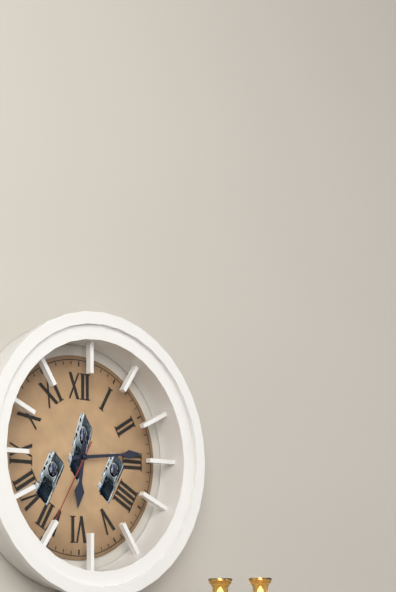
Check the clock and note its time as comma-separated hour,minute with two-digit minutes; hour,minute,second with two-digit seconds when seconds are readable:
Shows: 6,14,35
